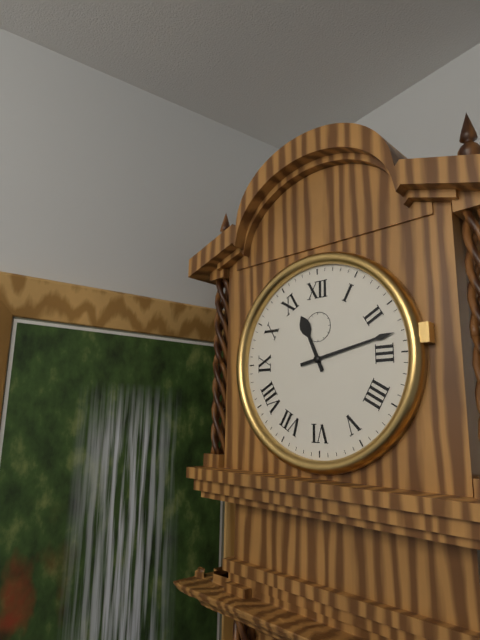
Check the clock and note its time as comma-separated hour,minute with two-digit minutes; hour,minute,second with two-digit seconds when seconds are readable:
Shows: 11,13
